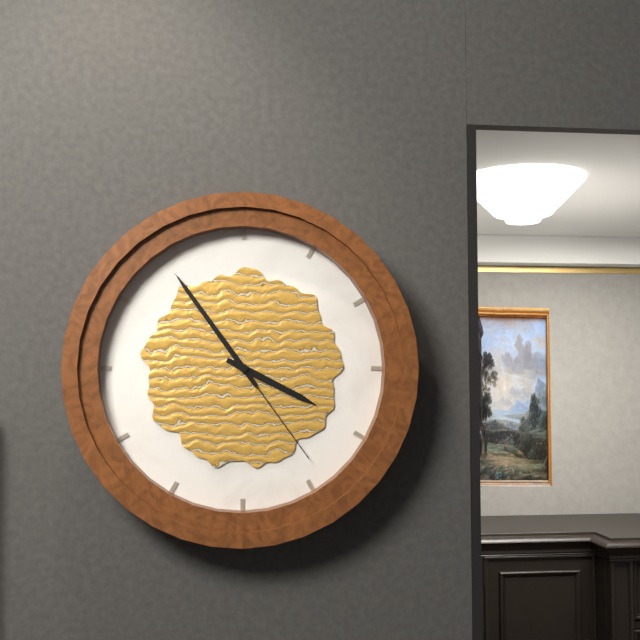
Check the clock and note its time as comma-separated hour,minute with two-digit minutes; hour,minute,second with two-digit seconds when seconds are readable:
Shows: 3,54,24
